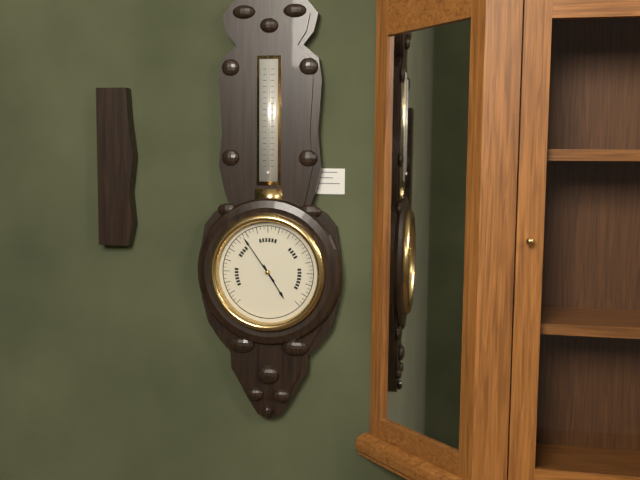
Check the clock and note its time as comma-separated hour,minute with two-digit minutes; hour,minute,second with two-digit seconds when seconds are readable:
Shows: 4,54
